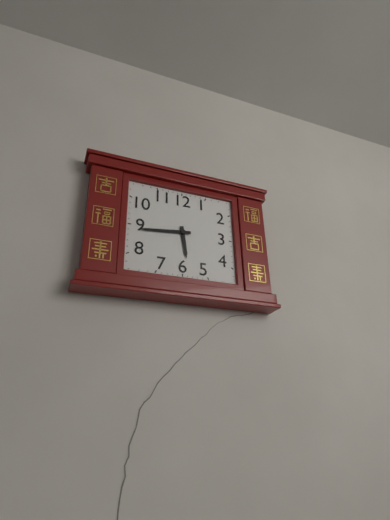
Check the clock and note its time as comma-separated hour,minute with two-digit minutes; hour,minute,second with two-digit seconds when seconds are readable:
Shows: 5,44
